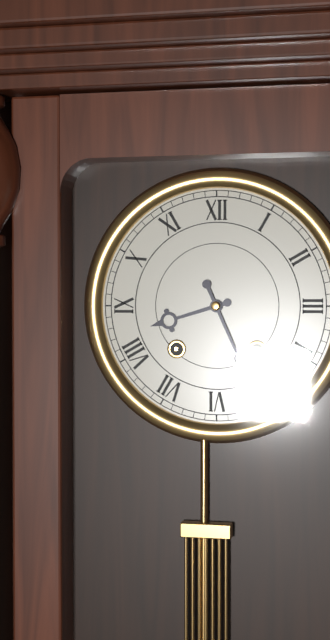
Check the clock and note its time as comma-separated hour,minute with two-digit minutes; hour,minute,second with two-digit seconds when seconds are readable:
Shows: 8,26
